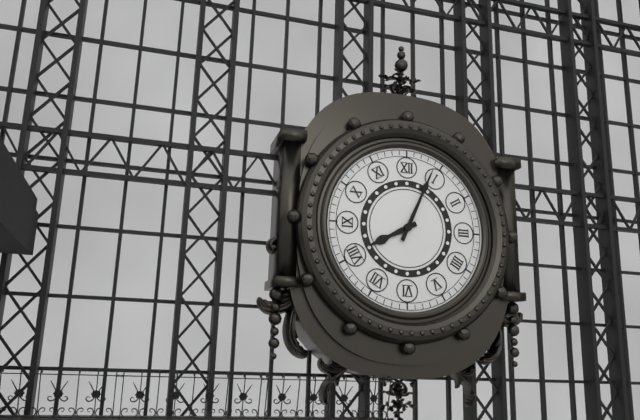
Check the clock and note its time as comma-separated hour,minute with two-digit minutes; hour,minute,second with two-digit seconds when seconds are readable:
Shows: 8,04
